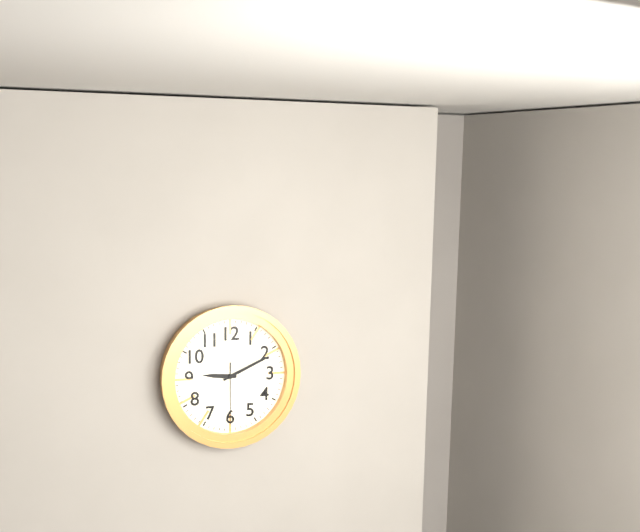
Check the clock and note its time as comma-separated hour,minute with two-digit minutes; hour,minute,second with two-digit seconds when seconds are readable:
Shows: 9,11,30
